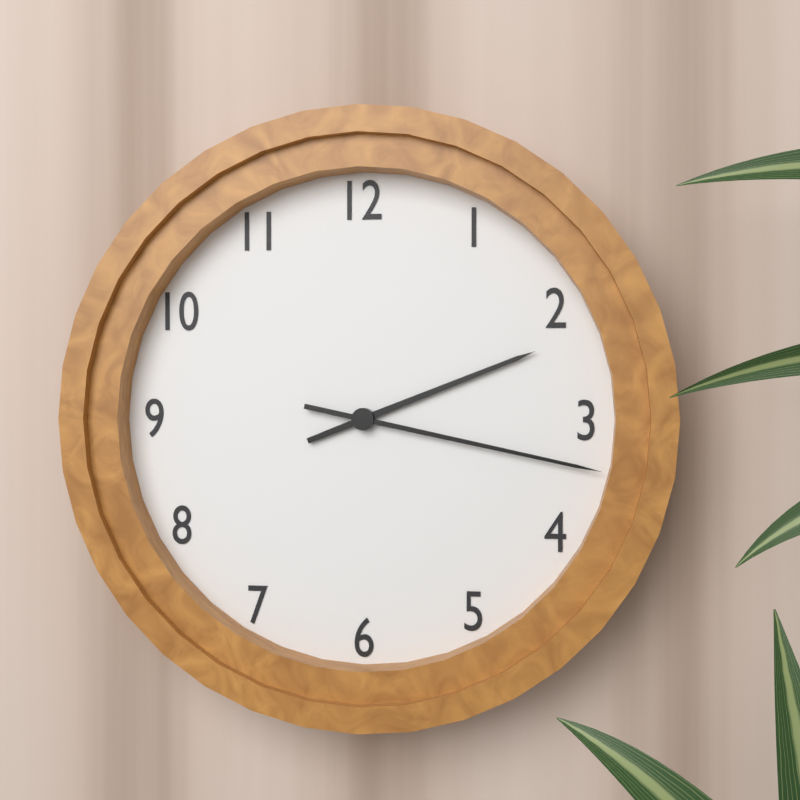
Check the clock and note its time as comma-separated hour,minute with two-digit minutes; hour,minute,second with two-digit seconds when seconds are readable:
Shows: 2,17
